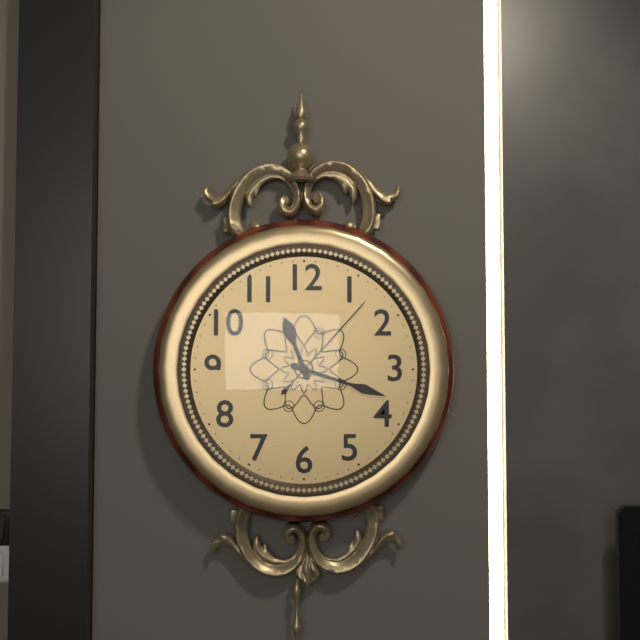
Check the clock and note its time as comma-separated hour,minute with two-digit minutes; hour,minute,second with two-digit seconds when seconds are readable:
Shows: 11,18,07
